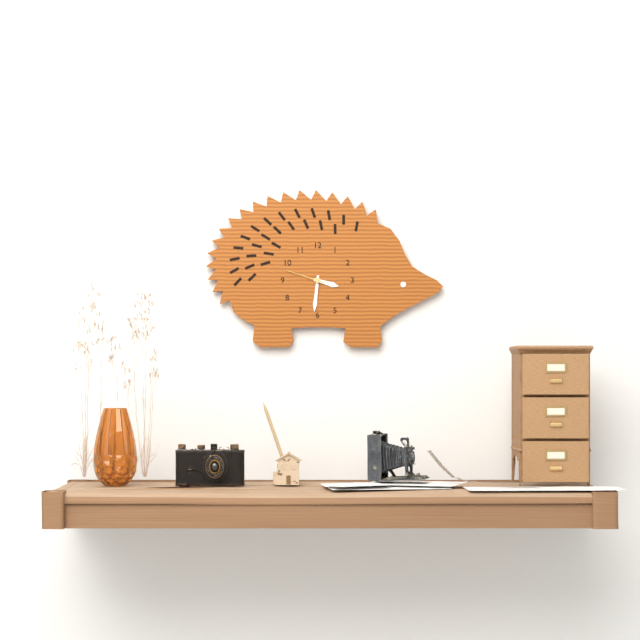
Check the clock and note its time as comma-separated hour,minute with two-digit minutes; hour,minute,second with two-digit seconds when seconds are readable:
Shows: 3,31
